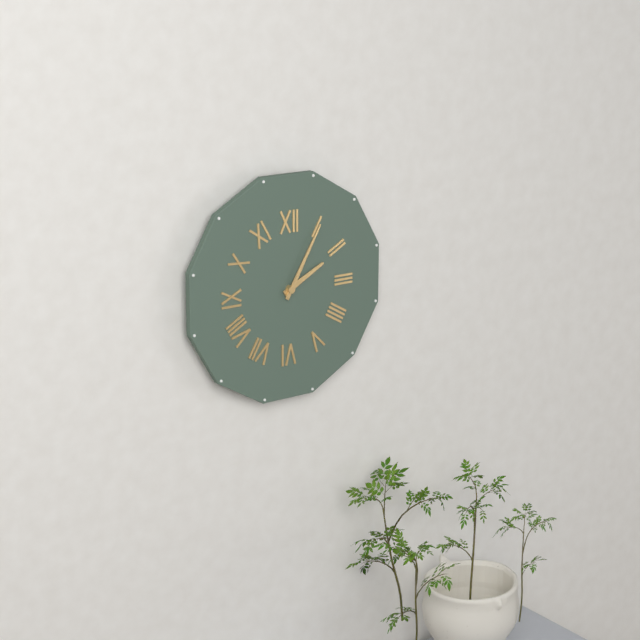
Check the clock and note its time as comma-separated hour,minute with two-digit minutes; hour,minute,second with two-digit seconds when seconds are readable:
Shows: 2,05
